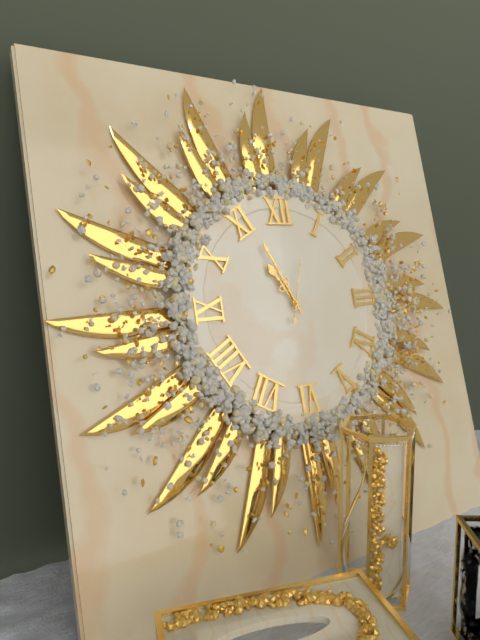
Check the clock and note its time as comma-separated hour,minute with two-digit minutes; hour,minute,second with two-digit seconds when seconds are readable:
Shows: 10,56,03
